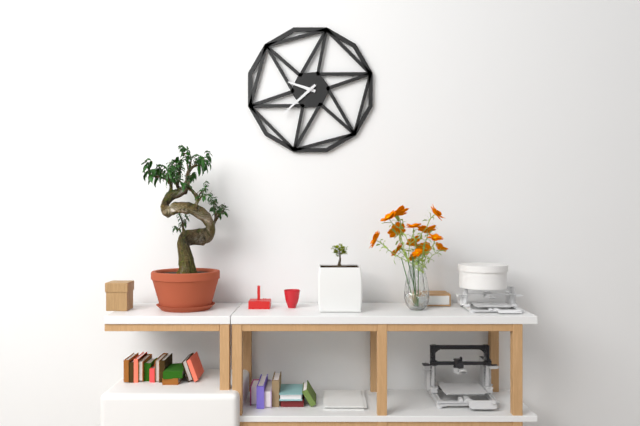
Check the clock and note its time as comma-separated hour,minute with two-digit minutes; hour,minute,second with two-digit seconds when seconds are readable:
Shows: 9,38
